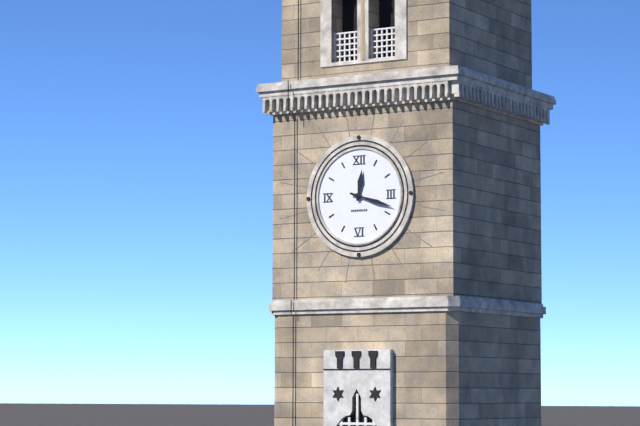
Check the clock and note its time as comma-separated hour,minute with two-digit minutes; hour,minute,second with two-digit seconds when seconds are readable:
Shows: 12,18
